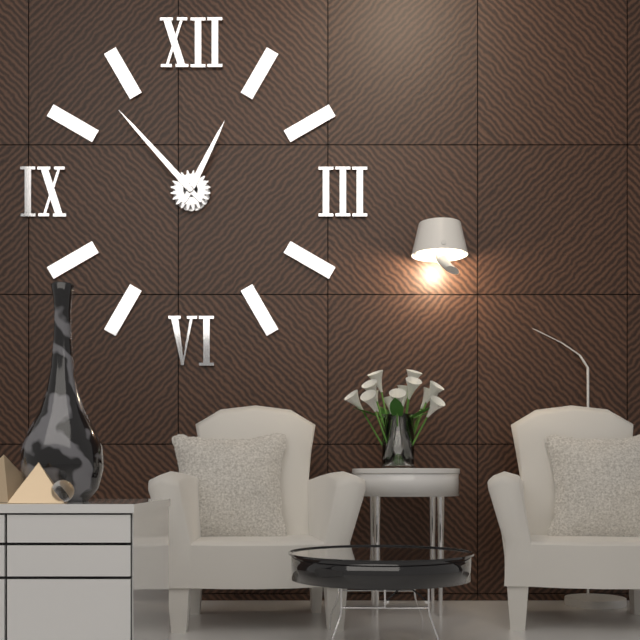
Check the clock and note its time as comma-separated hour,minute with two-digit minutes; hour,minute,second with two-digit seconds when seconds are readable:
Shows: 12,53
